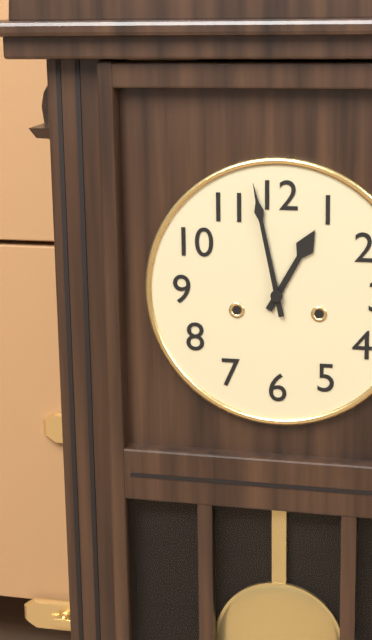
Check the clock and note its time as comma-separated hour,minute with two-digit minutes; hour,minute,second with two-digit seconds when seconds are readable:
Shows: 12,58
